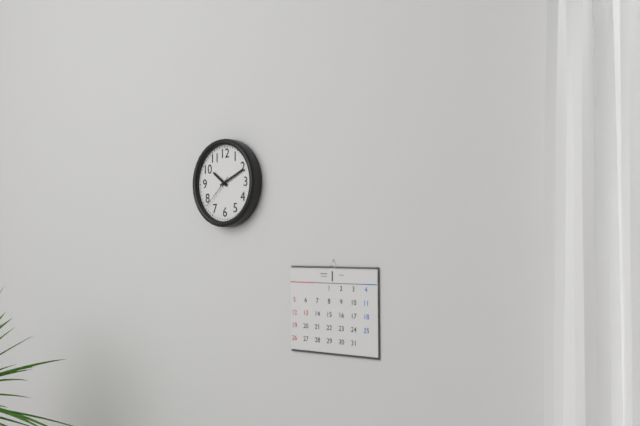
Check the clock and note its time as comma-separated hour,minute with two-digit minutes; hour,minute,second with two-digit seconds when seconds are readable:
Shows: 10,11
